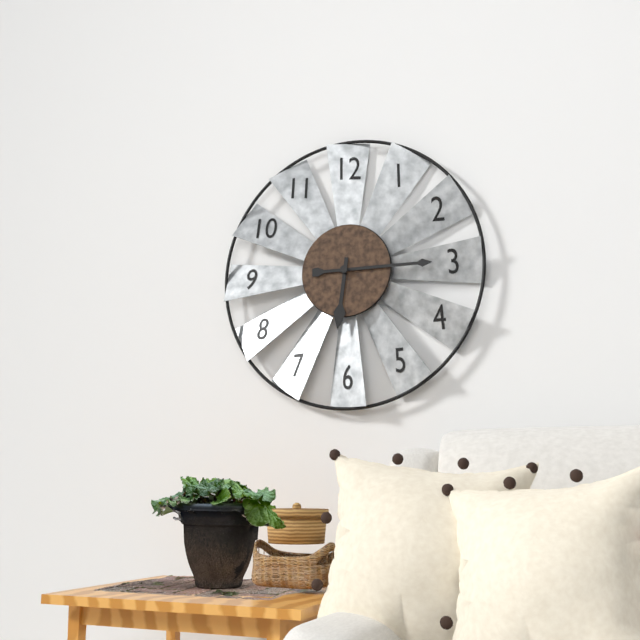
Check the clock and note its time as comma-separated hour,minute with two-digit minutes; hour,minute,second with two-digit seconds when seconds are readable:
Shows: 6,15
